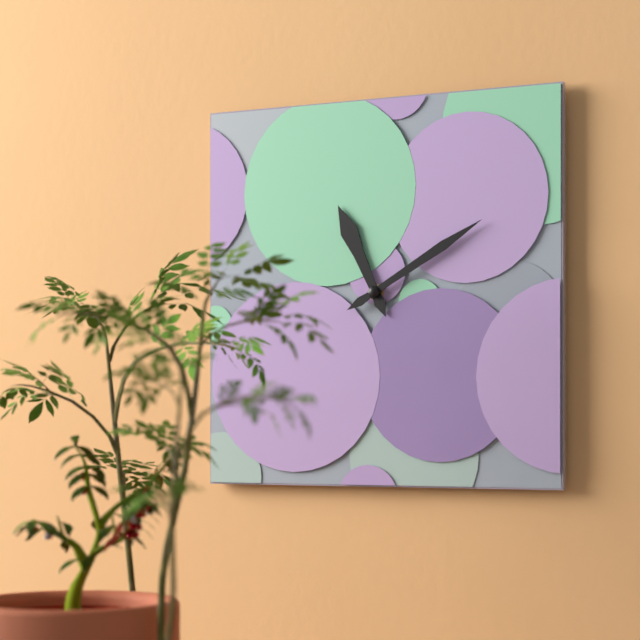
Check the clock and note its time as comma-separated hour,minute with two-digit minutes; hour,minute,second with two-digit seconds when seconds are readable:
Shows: 11,10
